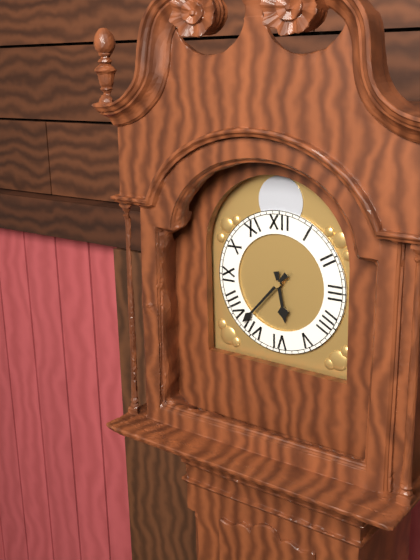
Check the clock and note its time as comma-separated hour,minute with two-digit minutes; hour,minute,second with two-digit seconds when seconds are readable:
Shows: 5,37
